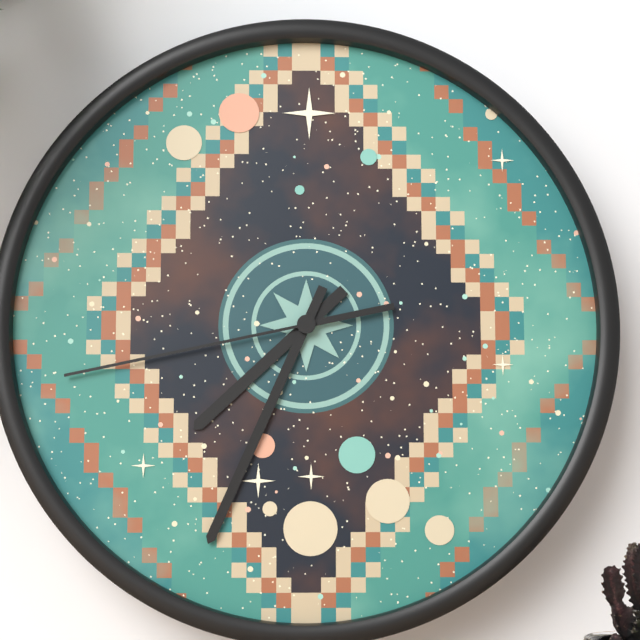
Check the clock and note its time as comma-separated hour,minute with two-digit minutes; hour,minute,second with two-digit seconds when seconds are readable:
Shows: 7,34,43
